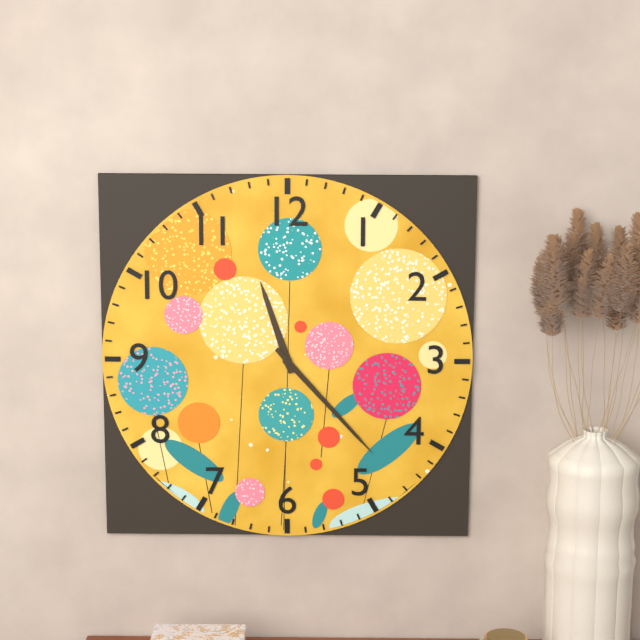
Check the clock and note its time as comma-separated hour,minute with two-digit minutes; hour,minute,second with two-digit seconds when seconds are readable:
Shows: 11,23
